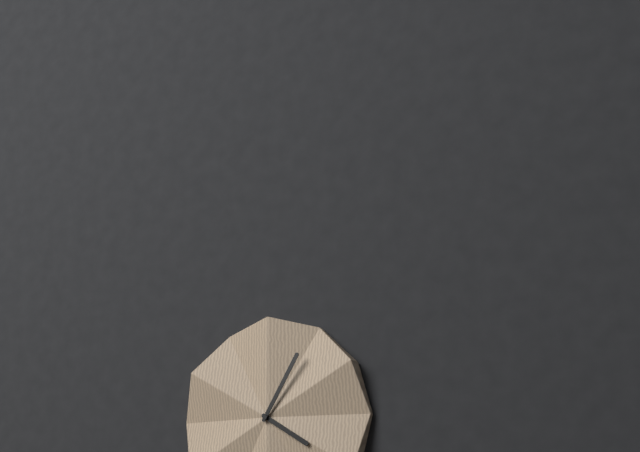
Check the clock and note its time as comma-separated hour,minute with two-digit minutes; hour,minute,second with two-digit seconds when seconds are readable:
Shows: 4,05
